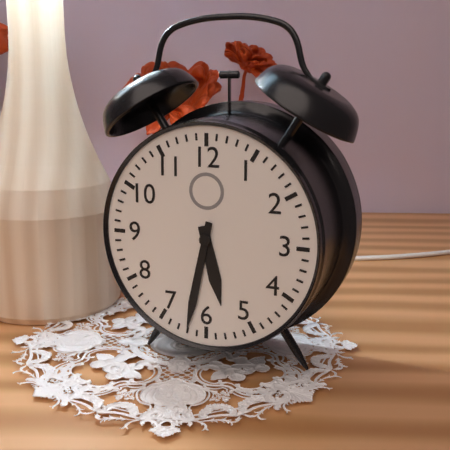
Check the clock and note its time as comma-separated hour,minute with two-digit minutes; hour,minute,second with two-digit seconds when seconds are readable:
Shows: 5,32
